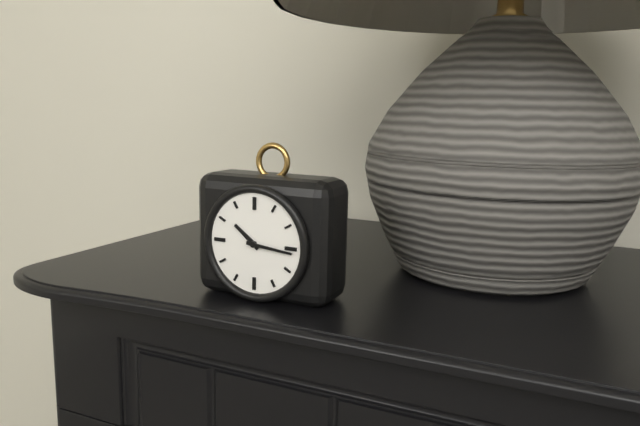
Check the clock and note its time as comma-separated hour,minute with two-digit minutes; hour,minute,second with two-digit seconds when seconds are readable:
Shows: 10,16
